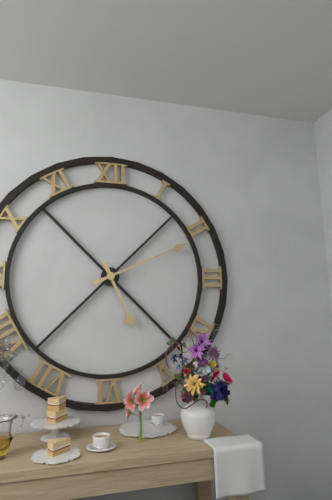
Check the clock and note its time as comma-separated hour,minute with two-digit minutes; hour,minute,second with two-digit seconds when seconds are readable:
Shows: 5,11
